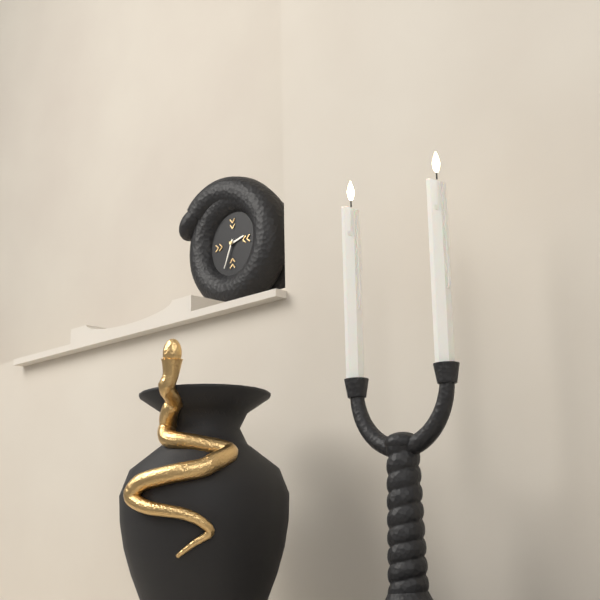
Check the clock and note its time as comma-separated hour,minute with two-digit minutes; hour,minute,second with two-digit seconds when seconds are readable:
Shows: 2,34
